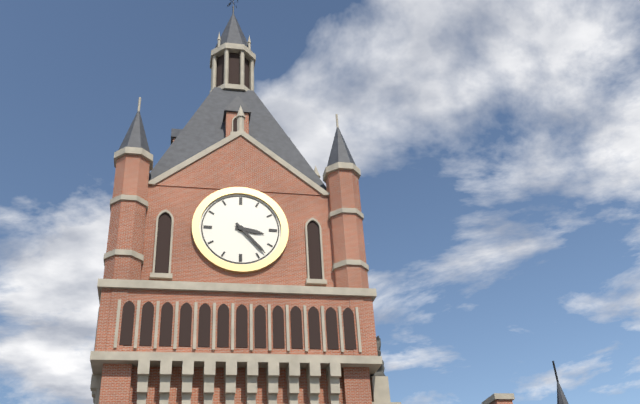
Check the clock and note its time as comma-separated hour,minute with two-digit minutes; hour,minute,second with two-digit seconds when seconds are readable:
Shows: 3,23
